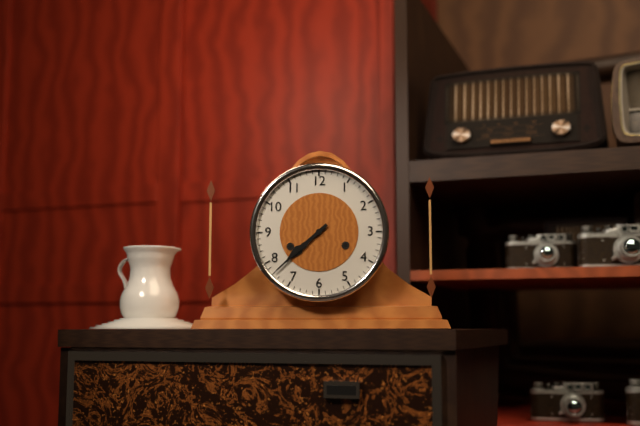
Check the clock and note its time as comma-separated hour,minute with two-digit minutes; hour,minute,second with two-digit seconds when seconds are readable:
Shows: 7,38
